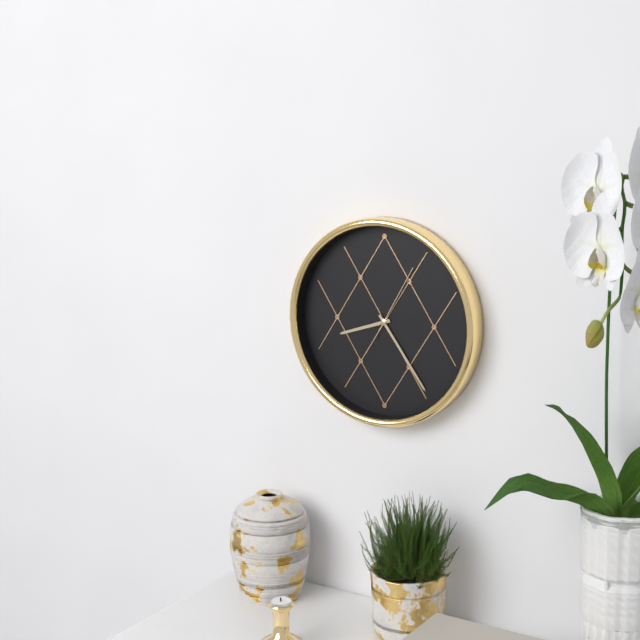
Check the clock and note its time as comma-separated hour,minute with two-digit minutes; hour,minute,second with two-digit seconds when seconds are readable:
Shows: 8,24,05
